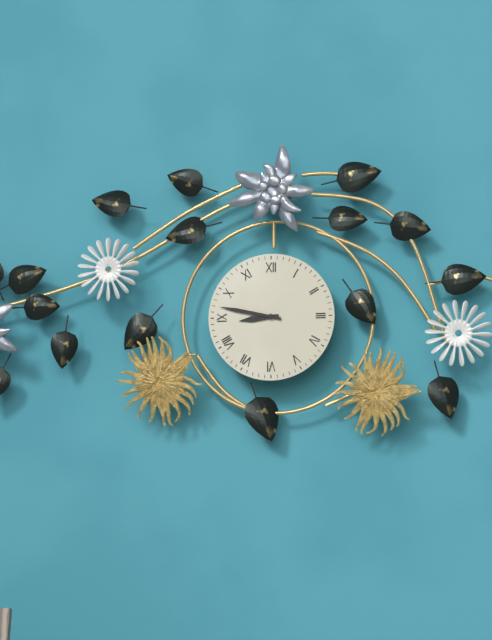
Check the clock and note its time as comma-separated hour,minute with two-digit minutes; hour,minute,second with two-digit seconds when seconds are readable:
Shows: 8,47
